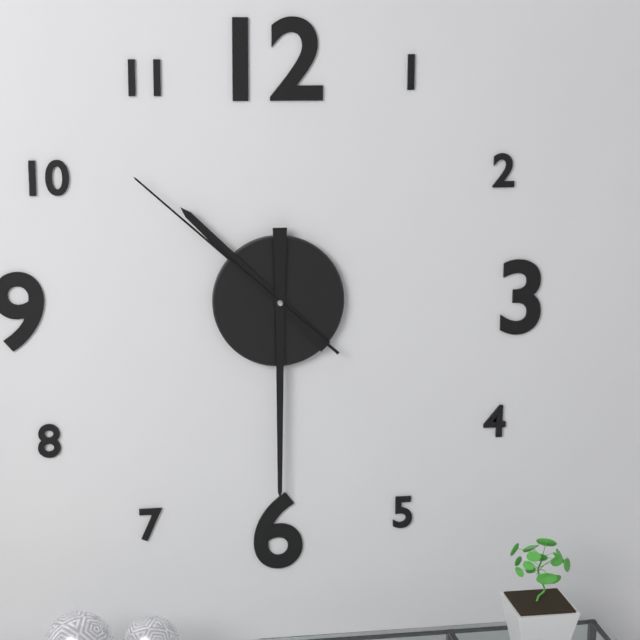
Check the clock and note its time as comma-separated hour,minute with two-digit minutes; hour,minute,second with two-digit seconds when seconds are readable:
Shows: 10,30,52
